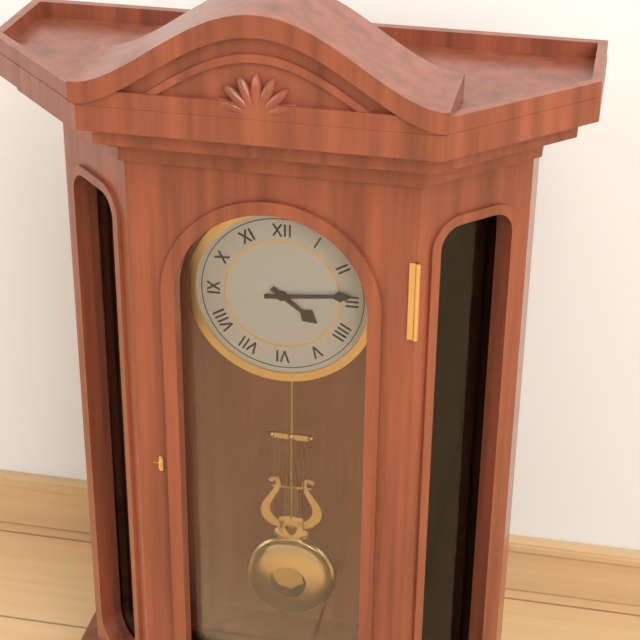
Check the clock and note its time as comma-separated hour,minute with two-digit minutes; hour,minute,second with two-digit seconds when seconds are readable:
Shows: 4,14
